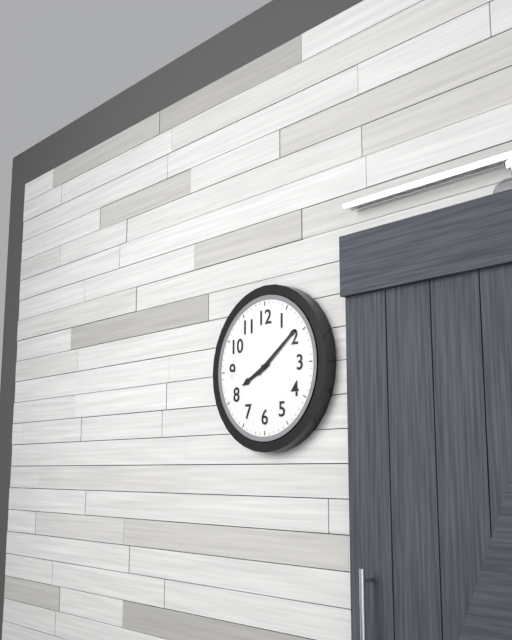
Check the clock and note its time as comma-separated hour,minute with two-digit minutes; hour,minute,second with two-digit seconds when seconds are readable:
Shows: 8,09
